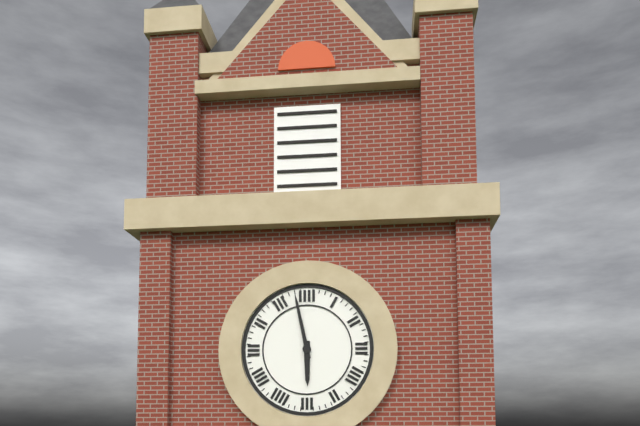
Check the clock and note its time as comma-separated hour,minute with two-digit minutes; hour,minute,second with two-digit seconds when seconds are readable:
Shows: 5,58
